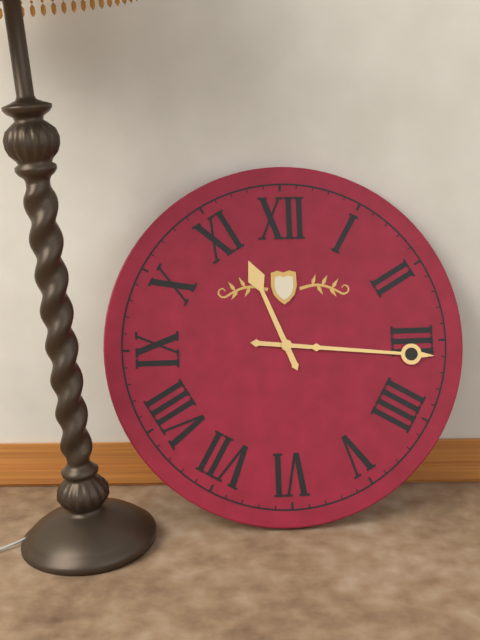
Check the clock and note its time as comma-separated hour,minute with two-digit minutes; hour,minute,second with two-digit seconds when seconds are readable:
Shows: 11,16
